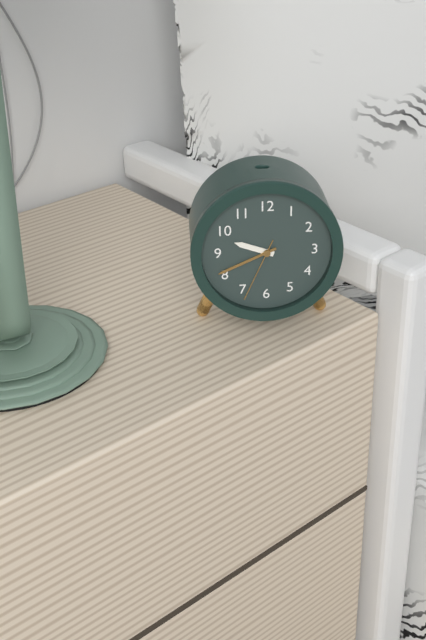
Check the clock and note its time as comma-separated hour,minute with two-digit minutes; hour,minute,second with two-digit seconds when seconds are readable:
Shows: 9,41,34
